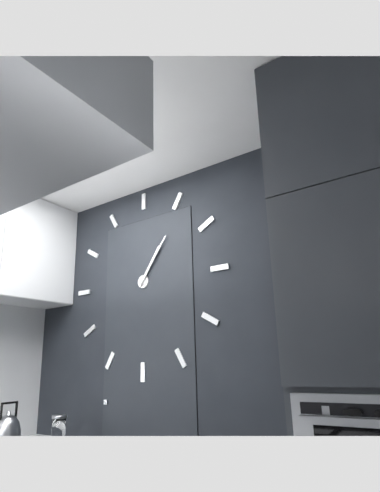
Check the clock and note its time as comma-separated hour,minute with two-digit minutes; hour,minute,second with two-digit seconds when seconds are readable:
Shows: 1,06
